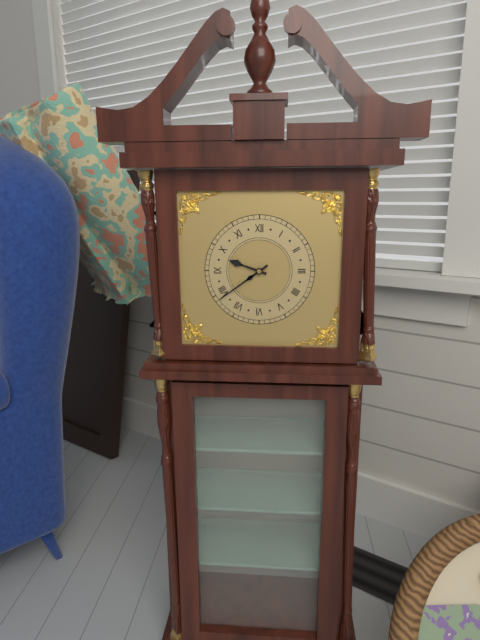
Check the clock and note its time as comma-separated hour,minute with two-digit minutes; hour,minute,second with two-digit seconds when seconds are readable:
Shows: 9,39
